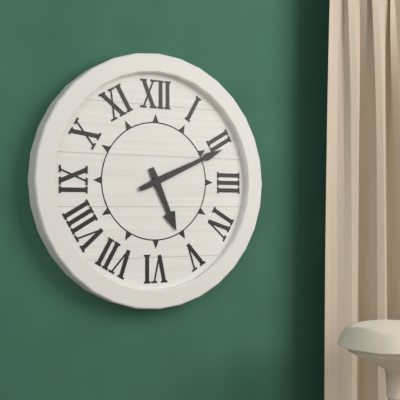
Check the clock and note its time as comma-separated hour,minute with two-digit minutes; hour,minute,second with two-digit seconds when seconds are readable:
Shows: 5,11
